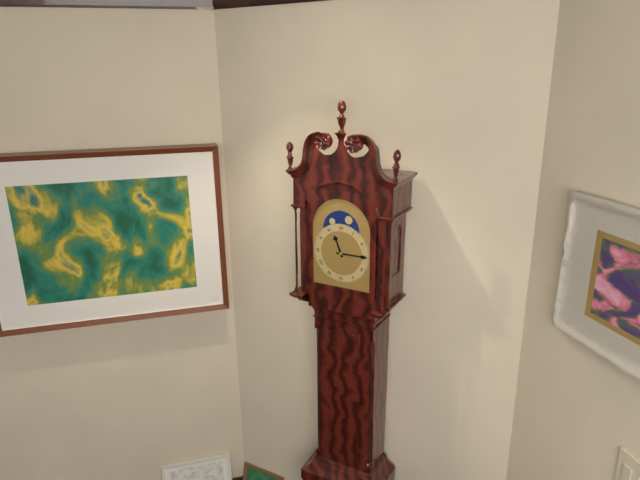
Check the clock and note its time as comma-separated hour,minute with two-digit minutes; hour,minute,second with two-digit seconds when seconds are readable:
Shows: 11,15
